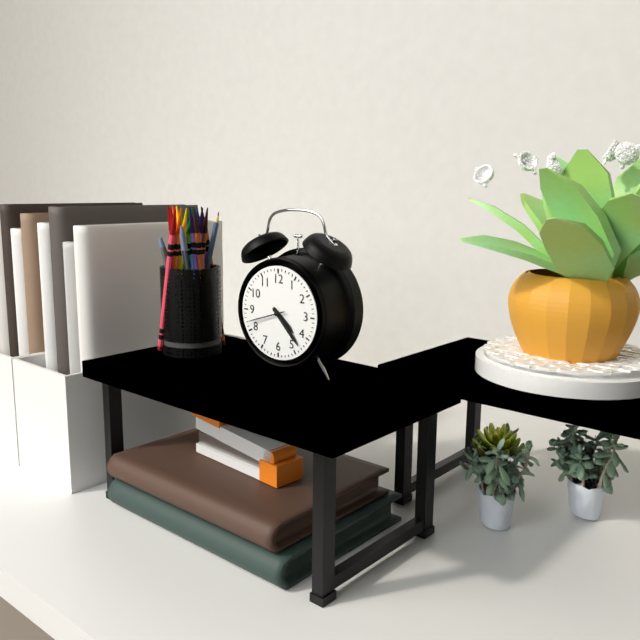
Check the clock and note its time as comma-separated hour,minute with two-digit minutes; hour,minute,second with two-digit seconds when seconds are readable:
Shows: 4,23
